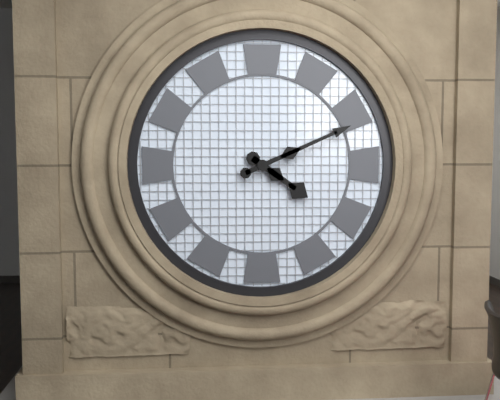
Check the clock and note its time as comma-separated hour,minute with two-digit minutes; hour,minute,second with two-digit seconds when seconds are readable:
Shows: 4,11
